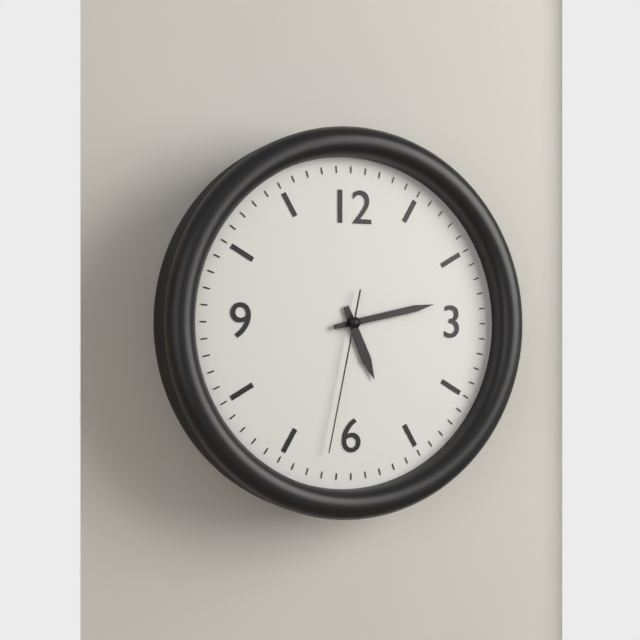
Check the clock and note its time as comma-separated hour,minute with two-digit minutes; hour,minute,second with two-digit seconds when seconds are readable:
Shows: 5,13,32
